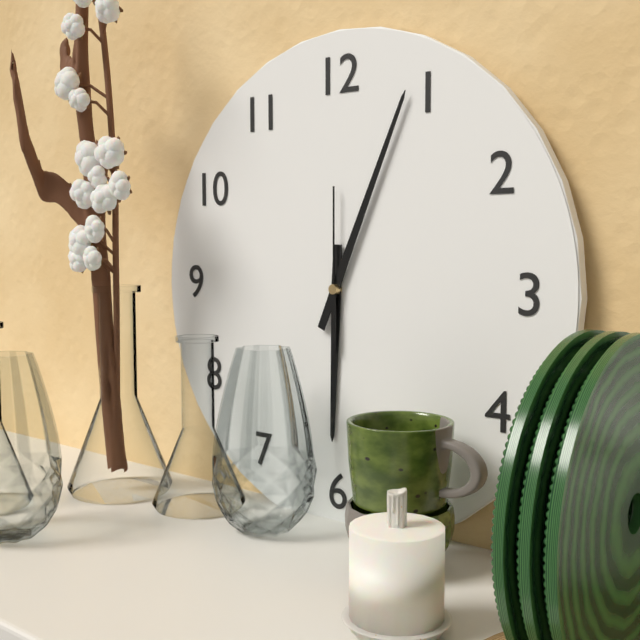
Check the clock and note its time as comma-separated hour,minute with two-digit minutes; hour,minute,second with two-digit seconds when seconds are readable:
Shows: 6,04,00
